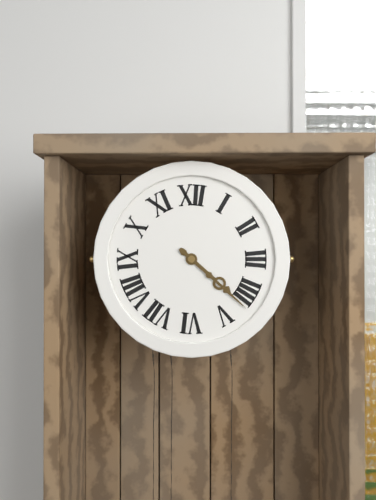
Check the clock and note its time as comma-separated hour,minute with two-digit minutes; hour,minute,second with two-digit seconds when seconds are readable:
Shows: 4,22
